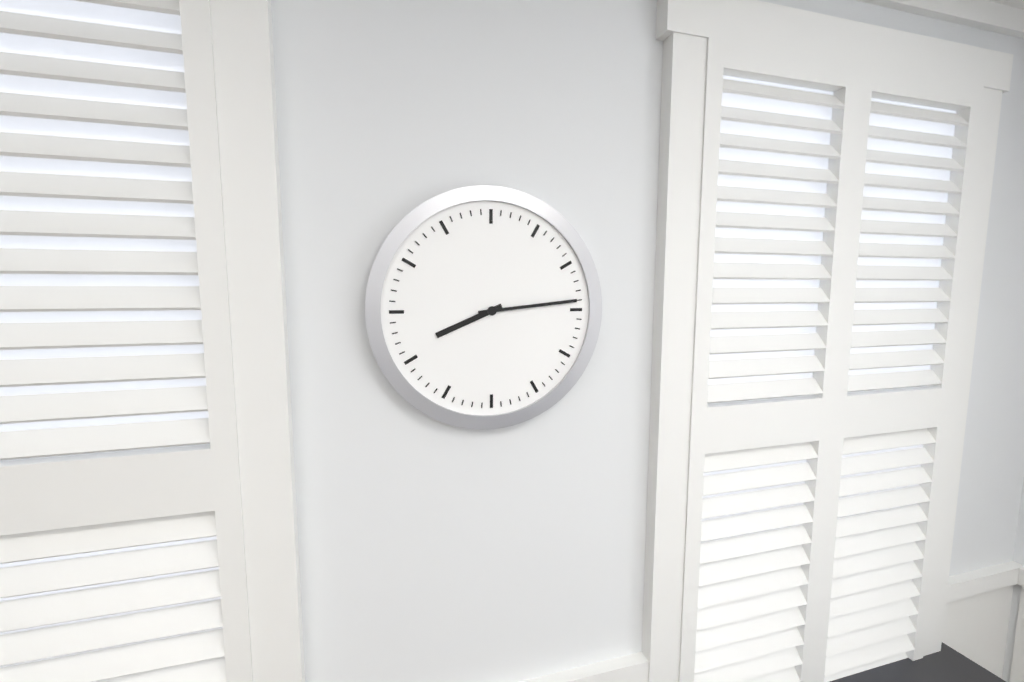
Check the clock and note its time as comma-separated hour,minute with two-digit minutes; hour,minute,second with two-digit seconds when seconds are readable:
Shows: 8,14
